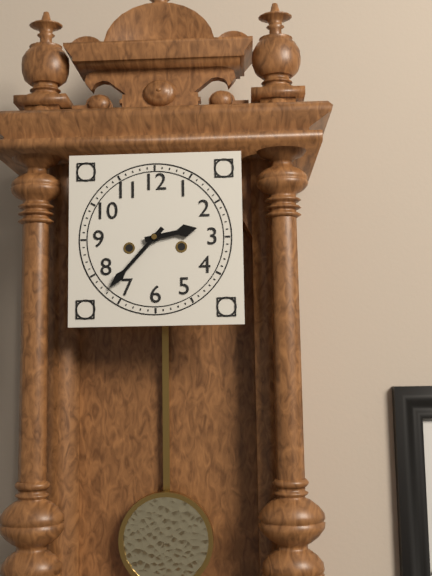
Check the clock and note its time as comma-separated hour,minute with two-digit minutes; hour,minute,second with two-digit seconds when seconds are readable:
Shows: 2,37
